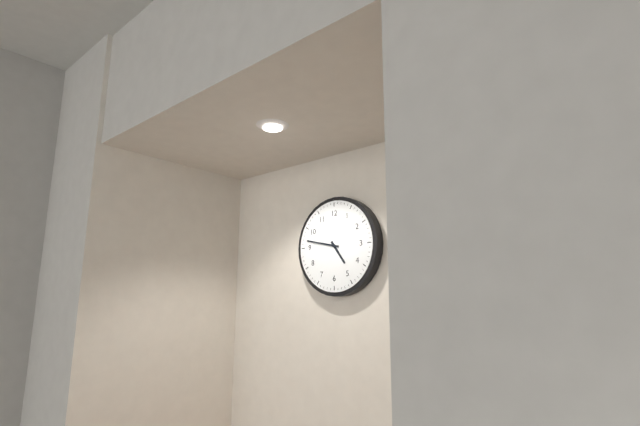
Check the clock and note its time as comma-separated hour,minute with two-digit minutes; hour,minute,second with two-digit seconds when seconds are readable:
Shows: 4,47
